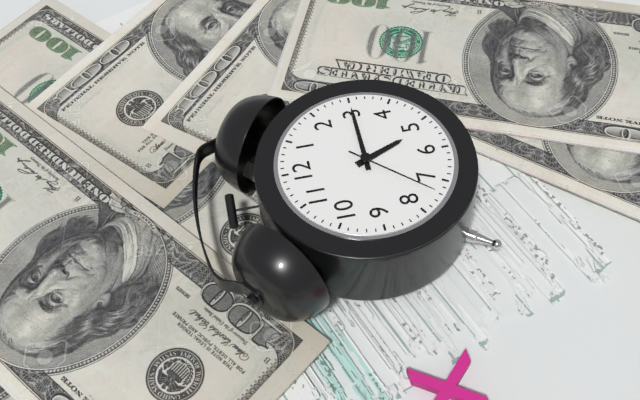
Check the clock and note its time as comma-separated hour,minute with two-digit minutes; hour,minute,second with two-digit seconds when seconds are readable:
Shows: 5,15,37
